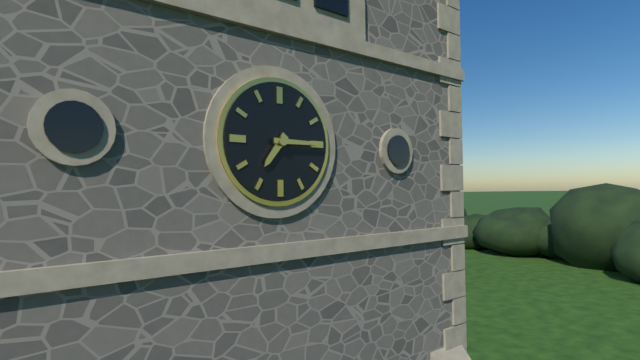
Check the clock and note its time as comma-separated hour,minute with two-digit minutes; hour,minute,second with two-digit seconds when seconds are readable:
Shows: 7,15
